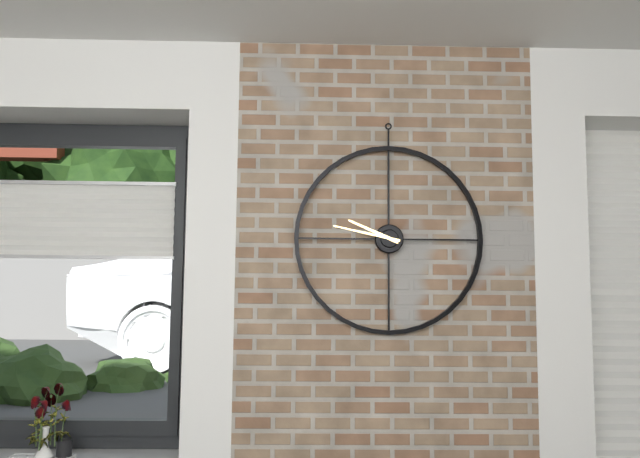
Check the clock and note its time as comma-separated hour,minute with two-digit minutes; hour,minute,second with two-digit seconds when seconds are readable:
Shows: 9,47
